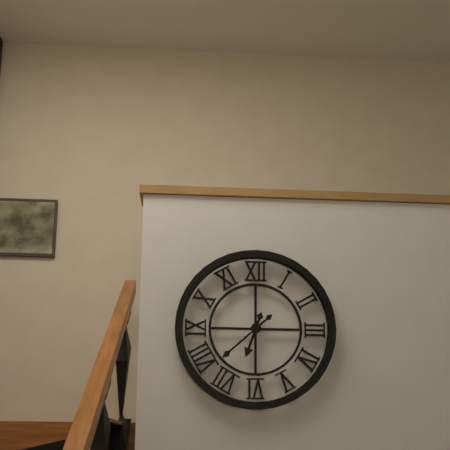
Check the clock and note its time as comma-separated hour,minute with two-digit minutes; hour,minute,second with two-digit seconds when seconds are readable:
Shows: 6,38
